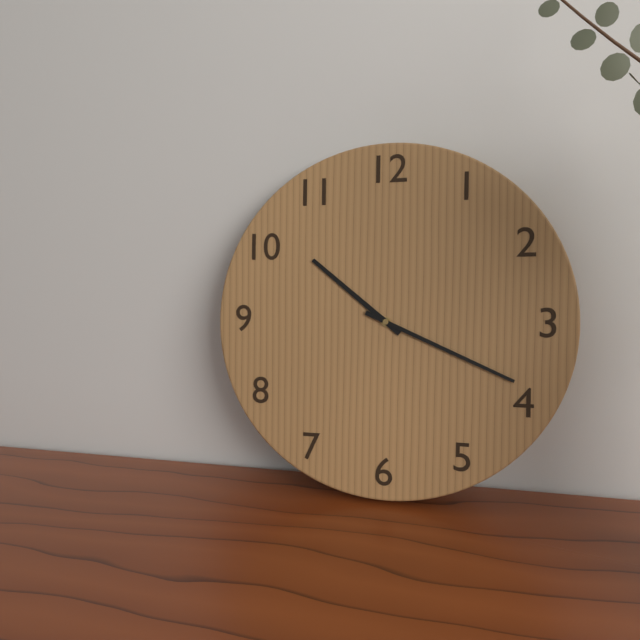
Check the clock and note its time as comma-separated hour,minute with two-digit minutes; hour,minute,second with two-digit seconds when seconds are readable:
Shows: 10,19
